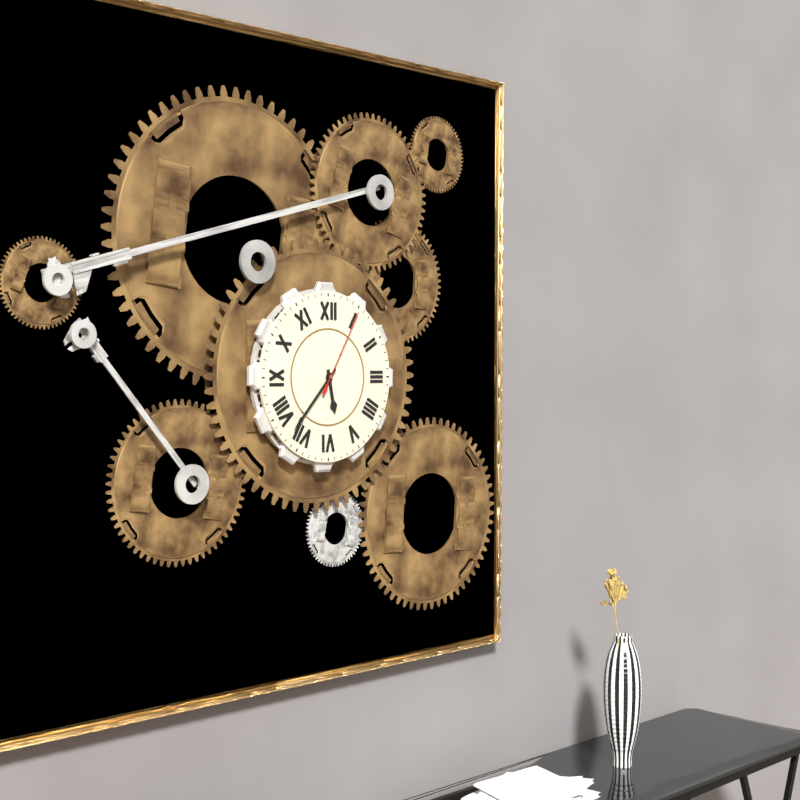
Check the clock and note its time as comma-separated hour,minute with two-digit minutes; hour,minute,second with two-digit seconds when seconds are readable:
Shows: 5,37,05
